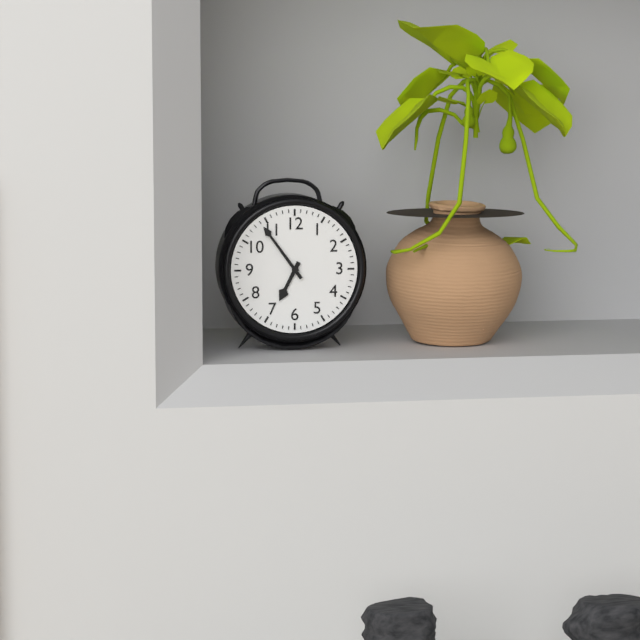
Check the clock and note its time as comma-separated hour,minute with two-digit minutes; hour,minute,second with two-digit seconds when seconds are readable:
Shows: 6,54
